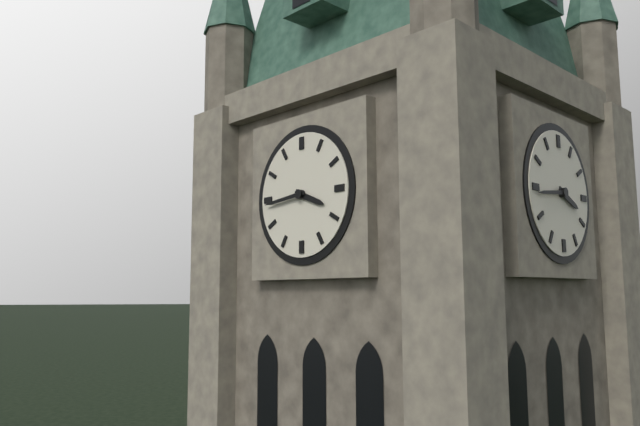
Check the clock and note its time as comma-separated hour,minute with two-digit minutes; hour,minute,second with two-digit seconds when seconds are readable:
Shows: 3,44
